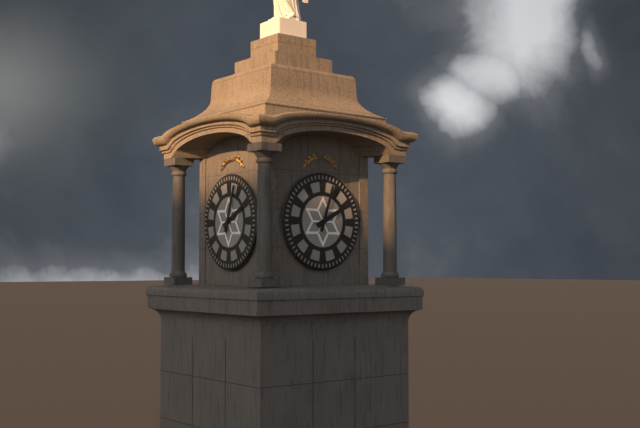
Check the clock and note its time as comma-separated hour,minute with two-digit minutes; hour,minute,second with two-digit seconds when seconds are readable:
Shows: 2,03
